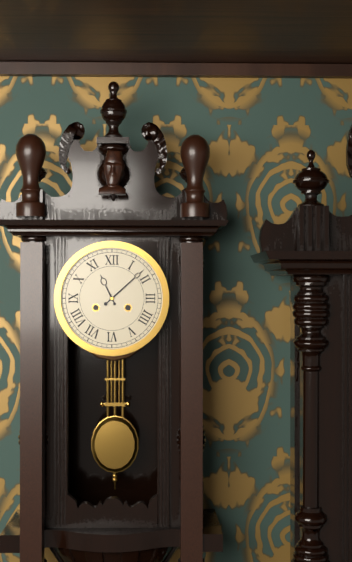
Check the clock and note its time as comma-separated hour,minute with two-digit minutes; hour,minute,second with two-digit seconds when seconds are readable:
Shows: 11,08
